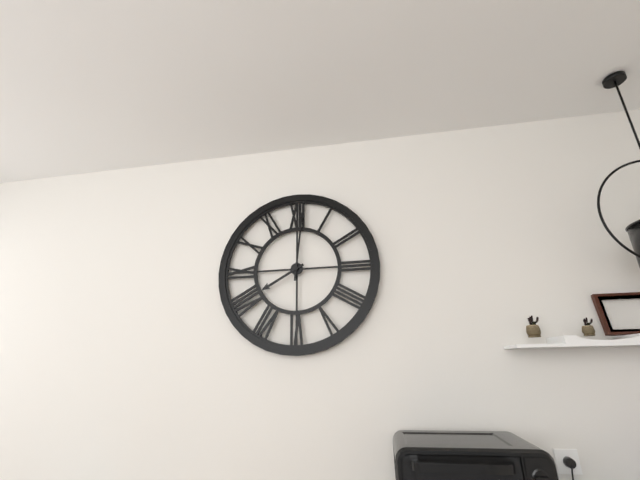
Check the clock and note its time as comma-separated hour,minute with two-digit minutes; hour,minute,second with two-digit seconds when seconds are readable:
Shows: 8,01
